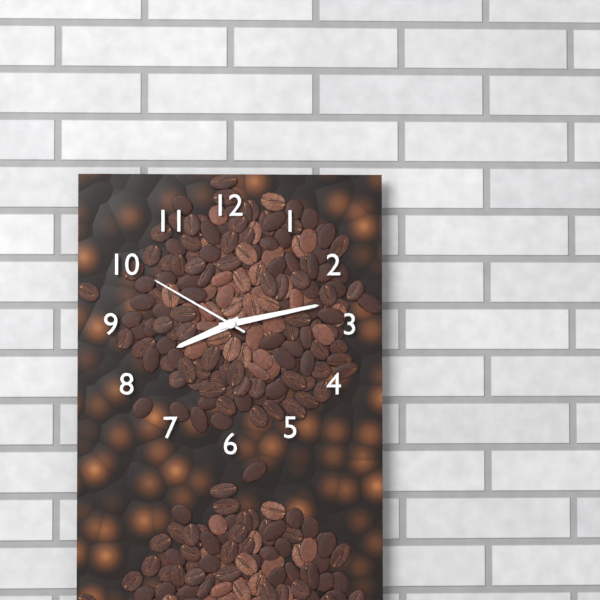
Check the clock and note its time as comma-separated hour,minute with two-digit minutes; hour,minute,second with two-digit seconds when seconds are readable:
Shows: 8,13,50
